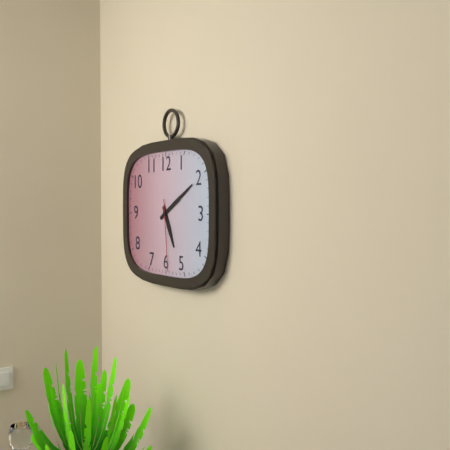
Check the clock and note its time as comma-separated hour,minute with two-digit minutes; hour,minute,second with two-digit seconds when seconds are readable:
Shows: 5,10,29
